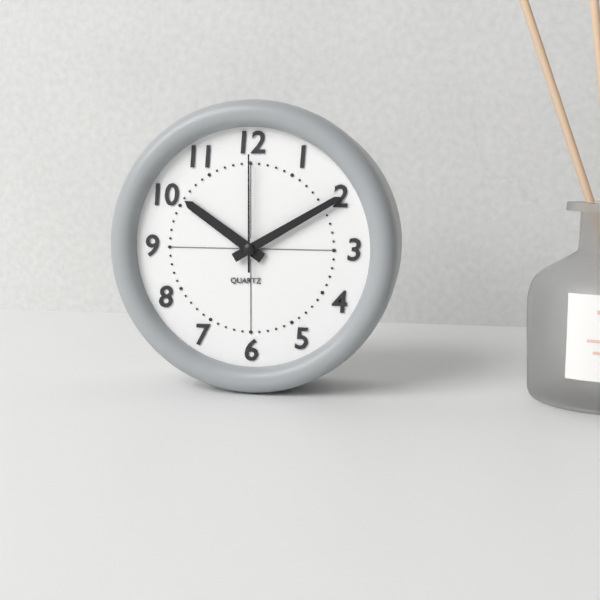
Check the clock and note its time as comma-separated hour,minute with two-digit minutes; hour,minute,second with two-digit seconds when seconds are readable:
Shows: 10,10,00
